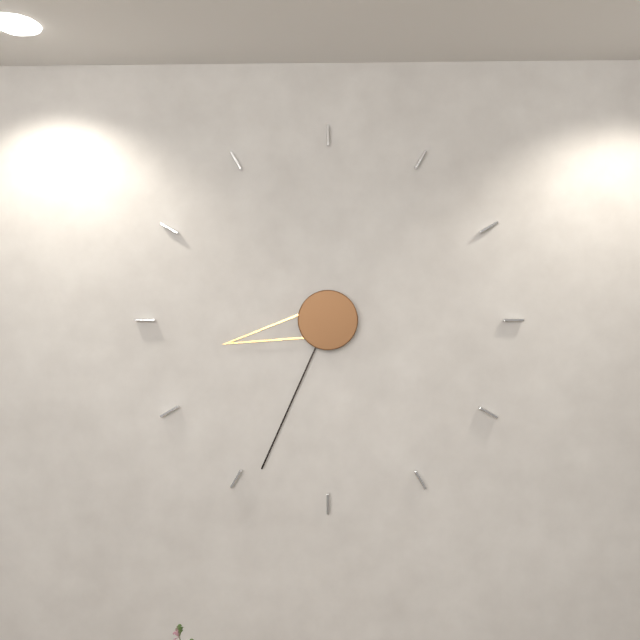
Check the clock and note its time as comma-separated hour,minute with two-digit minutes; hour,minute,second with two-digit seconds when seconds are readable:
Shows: 8,34
